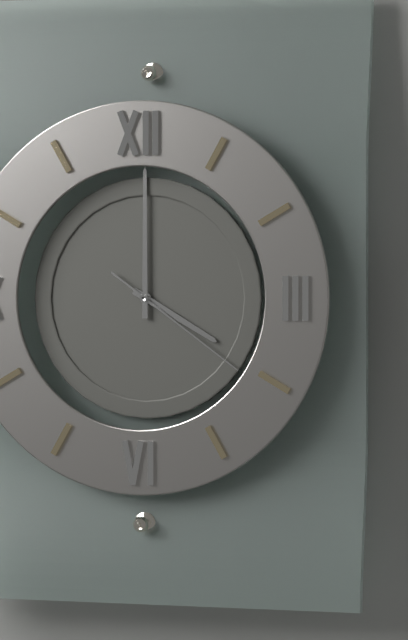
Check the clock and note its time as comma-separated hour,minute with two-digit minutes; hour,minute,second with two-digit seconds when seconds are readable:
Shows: 4,00,21
